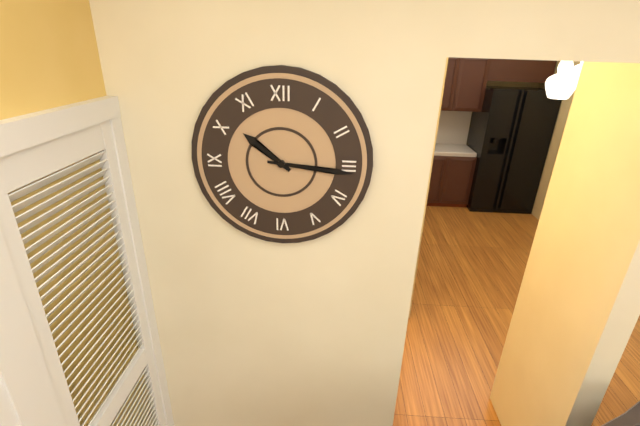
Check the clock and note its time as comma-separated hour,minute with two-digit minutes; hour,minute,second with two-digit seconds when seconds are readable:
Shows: 10,16
